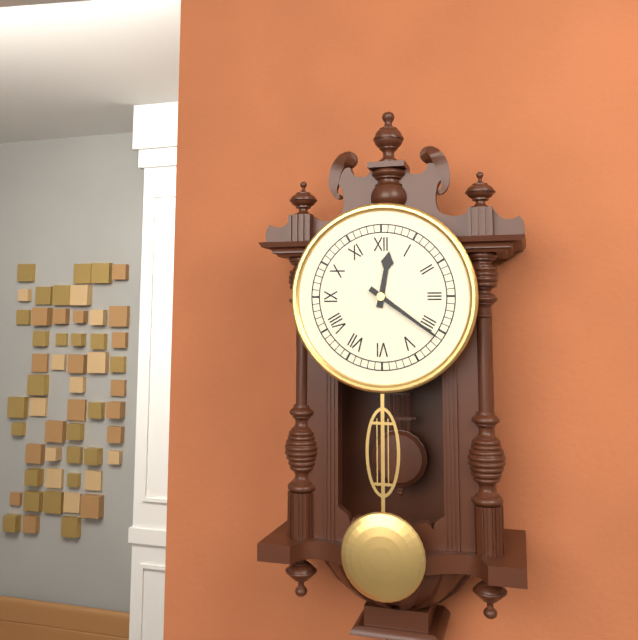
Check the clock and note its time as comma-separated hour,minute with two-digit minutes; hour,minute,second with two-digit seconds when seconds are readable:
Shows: 12,21
